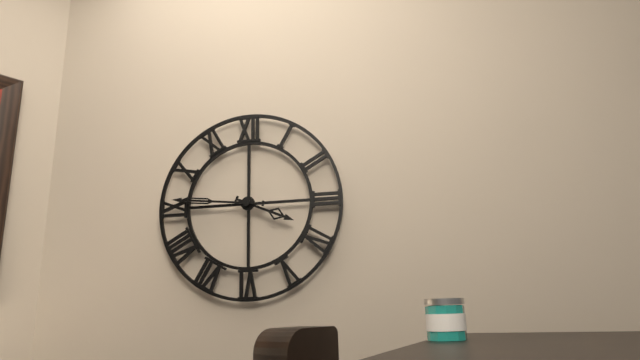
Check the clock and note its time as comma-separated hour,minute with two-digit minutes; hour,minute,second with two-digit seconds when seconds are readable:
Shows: 3,46
